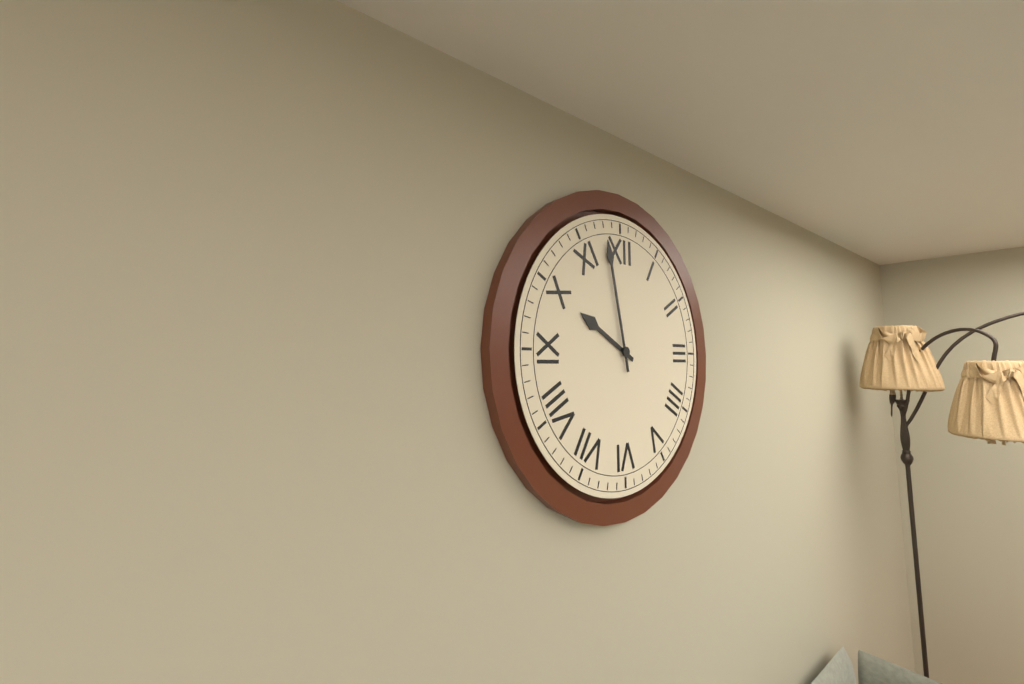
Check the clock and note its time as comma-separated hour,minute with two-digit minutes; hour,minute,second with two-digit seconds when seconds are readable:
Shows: 9,58
